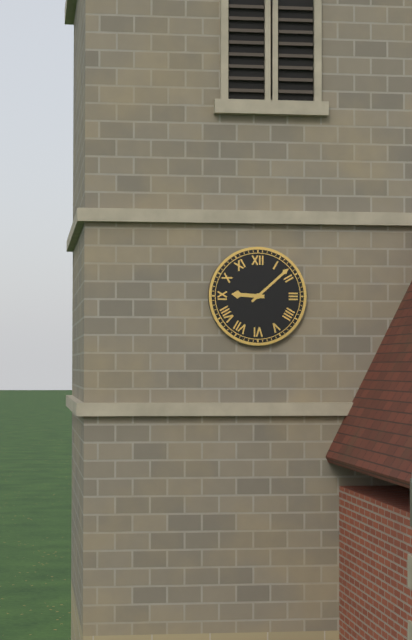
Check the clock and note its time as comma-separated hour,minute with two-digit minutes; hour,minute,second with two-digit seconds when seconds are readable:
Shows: 9,08
